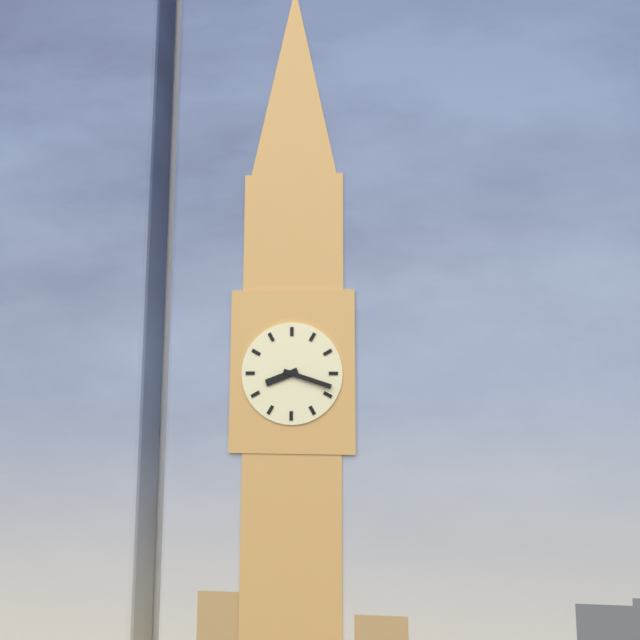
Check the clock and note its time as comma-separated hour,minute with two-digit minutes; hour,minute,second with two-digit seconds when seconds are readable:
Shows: 8,18
